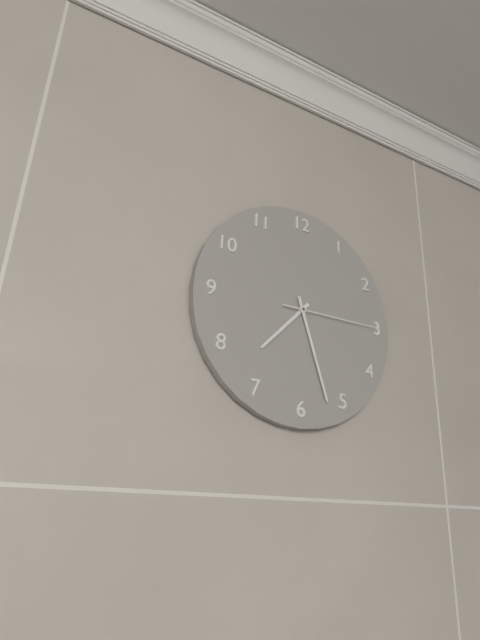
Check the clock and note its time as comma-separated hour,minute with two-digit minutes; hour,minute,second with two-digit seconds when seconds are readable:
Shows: 7,27,15
